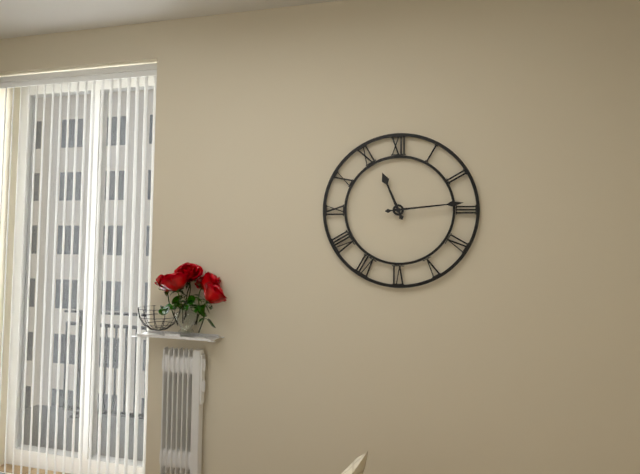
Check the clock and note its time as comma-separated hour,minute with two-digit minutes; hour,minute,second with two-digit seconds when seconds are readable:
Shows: 11,14
